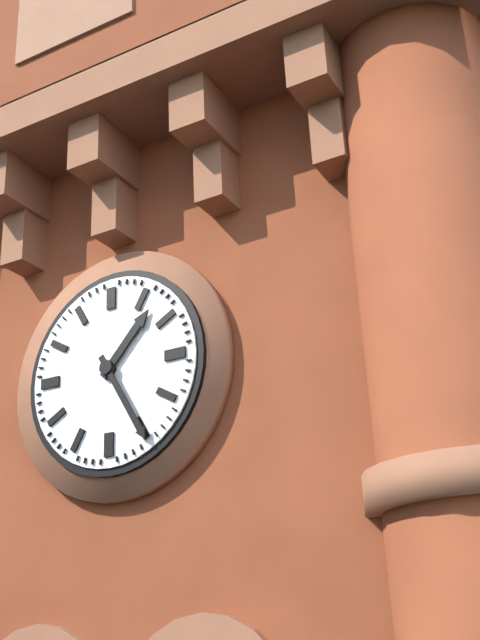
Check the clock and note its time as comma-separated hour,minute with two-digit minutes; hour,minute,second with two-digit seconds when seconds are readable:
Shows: 1,25
